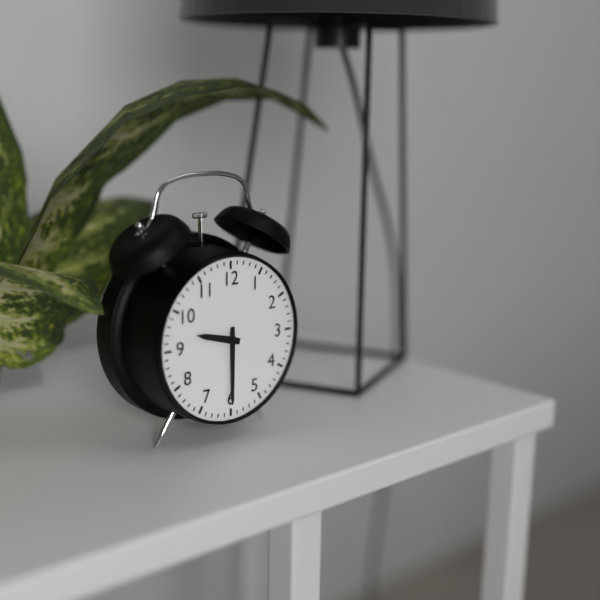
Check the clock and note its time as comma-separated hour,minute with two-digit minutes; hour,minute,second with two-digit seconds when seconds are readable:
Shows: 9,30
